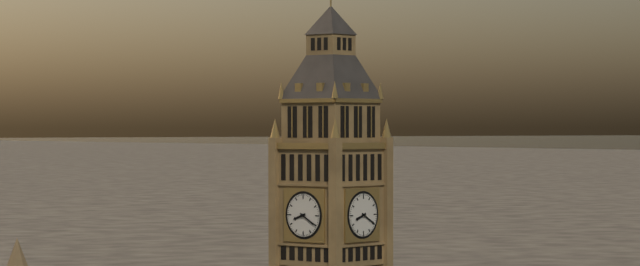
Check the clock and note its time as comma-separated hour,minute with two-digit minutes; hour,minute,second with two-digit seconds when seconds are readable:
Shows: 8,20
